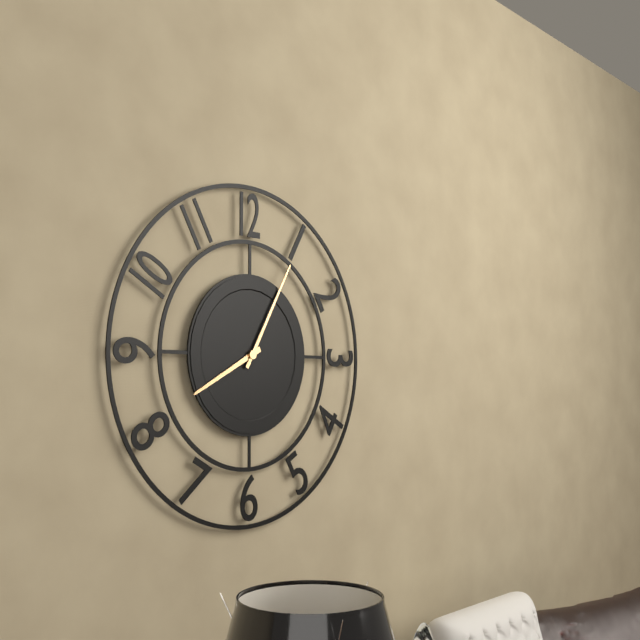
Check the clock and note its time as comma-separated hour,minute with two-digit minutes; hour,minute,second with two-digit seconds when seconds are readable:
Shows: 8,05
